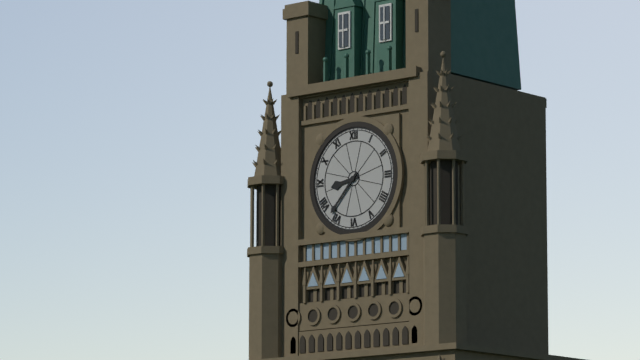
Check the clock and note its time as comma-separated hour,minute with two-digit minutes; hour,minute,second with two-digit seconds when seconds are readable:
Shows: 8,37
